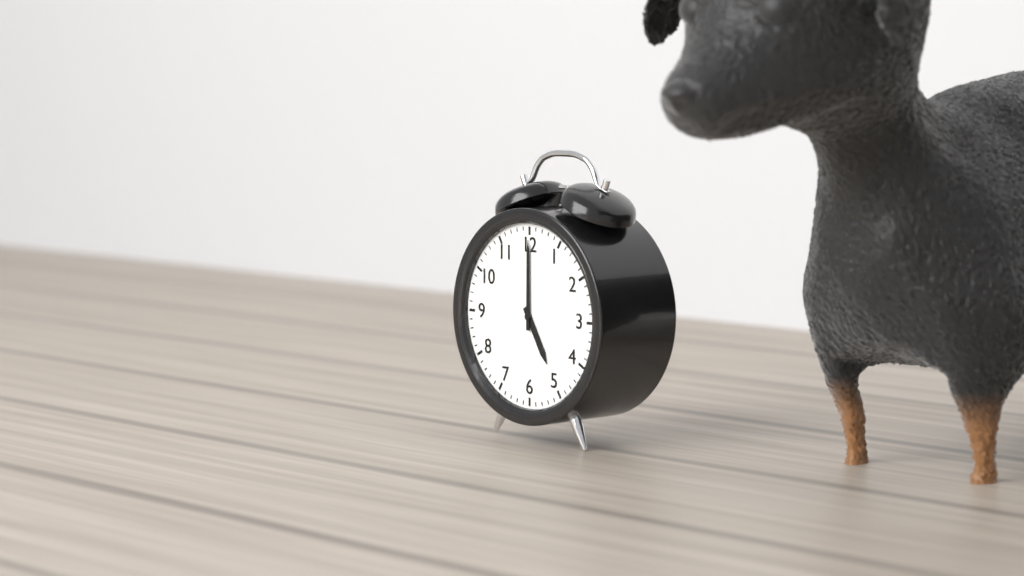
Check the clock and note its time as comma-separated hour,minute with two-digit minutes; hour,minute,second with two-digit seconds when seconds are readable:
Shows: 5,00
